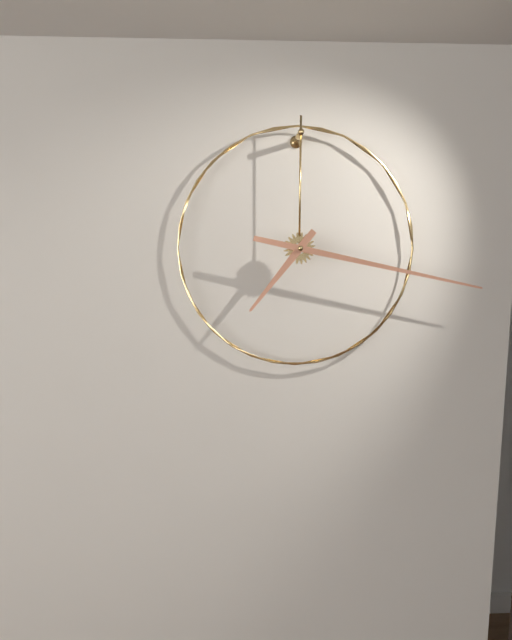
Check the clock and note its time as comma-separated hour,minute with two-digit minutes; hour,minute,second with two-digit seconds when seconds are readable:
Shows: 7,17
